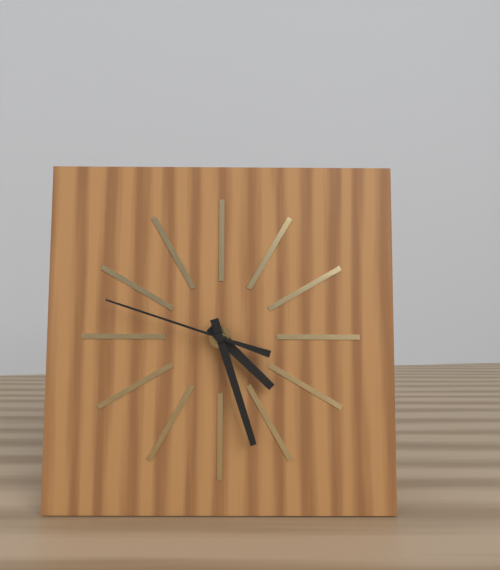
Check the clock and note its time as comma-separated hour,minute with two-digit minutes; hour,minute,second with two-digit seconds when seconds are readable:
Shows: 4,27,48
